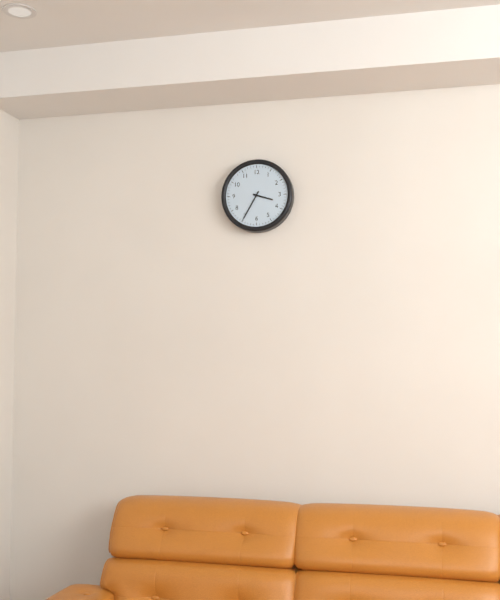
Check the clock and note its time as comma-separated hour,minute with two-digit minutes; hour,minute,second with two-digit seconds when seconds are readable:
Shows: 3,35
